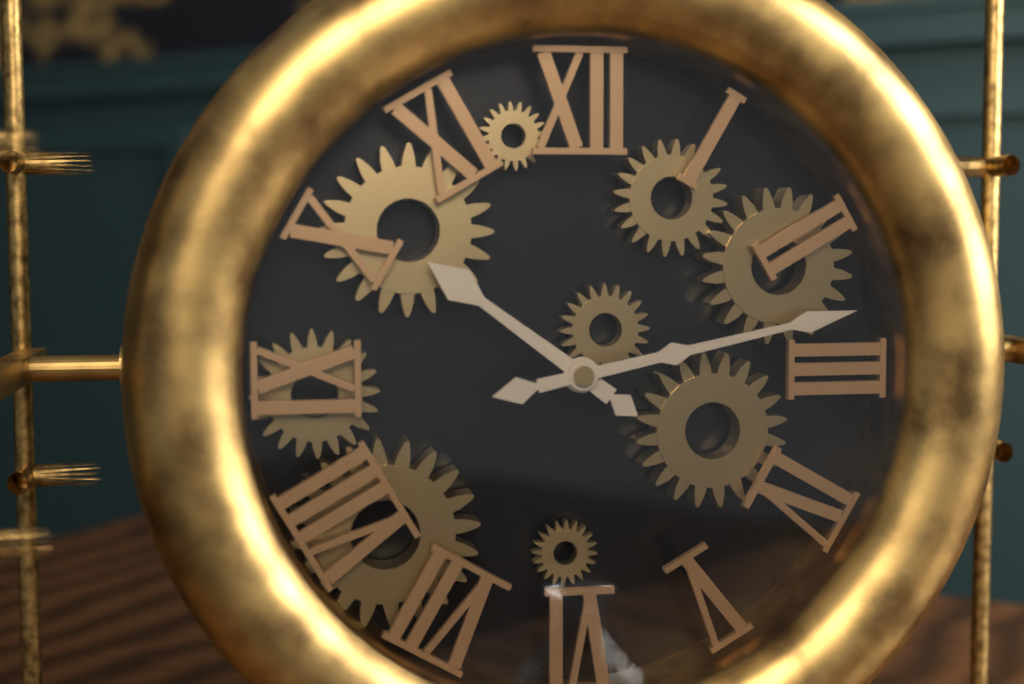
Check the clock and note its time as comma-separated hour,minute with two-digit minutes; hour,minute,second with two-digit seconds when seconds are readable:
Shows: 10,13
